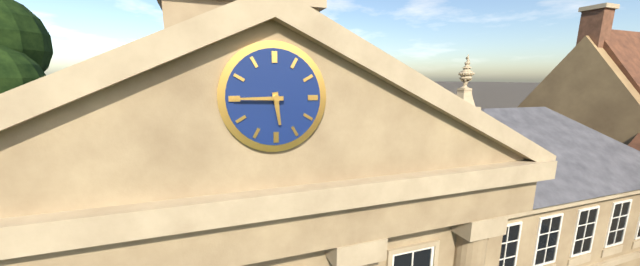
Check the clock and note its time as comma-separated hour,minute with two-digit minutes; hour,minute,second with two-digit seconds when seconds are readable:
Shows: 5,45
